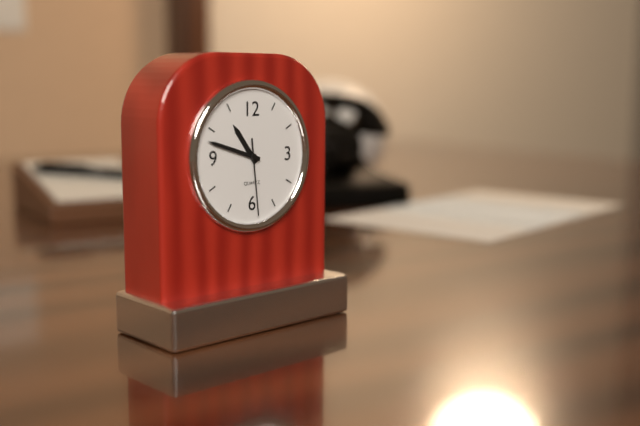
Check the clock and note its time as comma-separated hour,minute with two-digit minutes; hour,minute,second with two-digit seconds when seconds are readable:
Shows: 10,48,29
